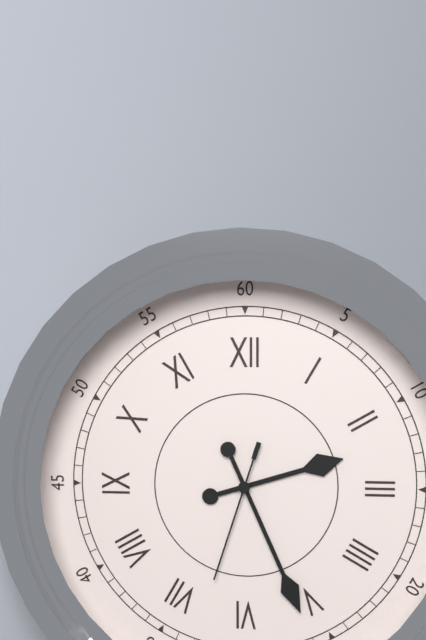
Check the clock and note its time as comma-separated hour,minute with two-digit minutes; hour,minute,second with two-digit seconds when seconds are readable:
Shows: 2,26,33
